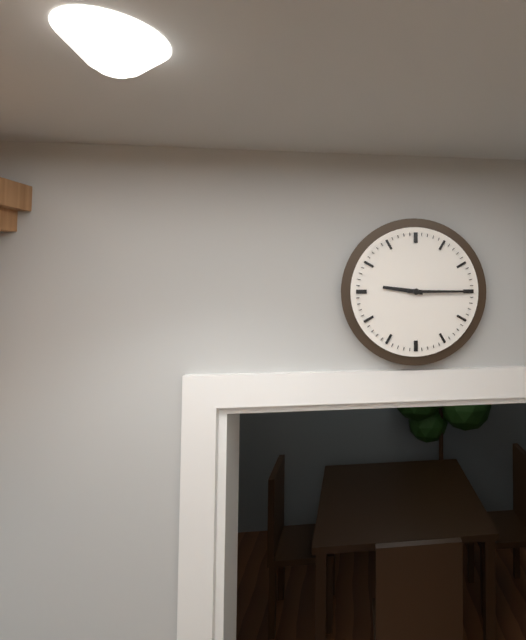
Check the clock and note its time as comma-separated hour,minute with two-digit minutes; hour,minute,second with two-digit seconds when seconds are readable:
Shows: 9,15
